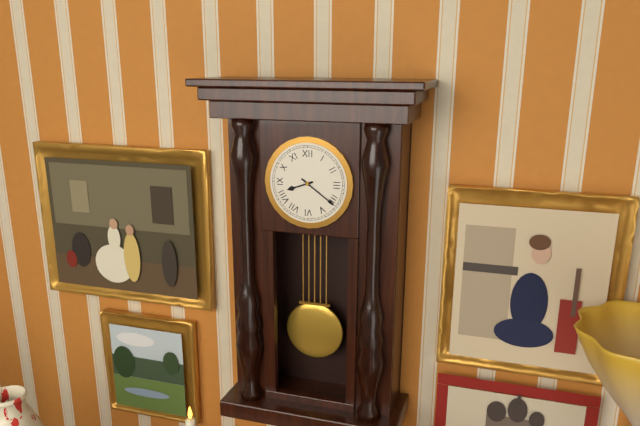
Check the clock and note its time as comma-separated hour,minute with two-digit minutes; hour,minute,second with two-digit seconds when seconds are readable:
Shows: 8,21
